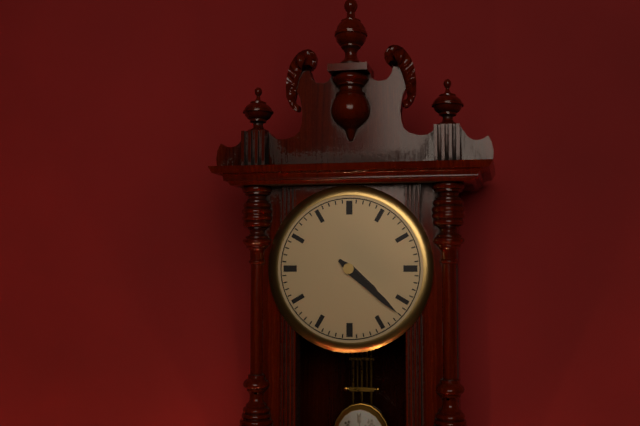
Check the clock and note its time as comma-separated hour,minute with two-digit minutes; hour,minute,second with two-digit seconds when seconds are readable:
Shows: 4,22
